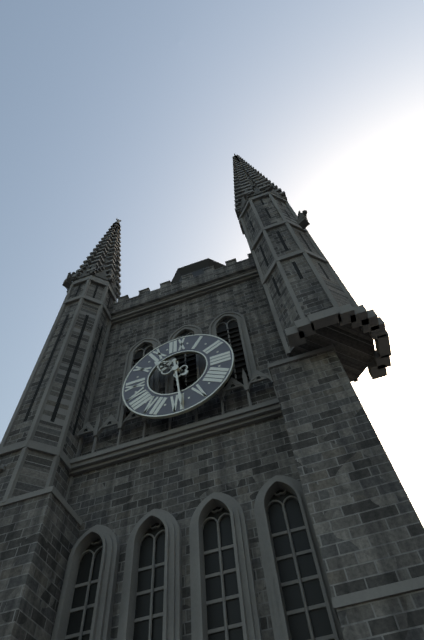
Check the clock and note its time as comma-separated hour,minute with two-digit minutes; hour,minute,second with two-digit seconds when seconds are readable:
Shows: 10,29
